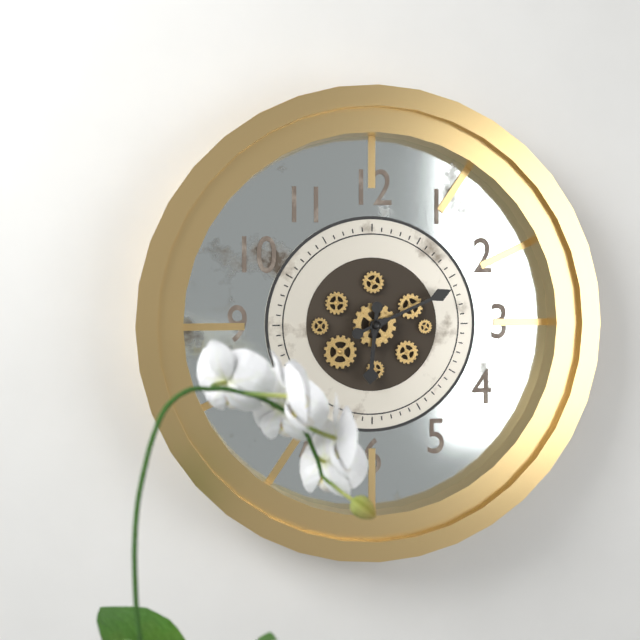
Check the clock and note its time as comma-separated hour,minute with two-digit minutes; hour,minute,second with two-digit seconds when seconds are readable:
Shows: 6,11
